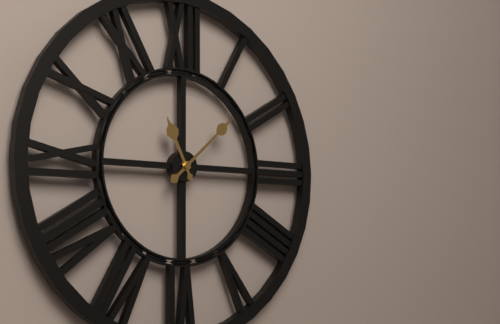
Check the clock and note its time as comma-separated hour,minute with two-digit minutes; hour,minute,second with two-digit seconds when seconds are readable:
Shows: 11,08
